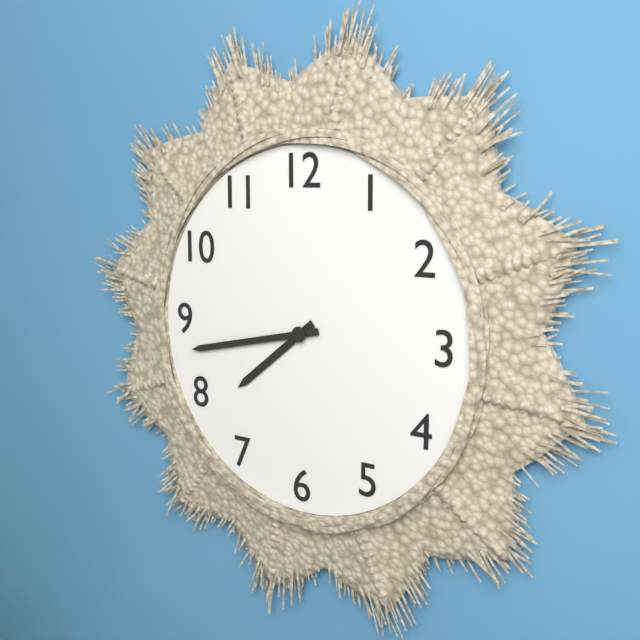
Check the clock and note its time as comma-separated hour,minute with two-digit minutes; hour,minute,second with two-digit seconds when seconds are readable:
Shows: 7,43
